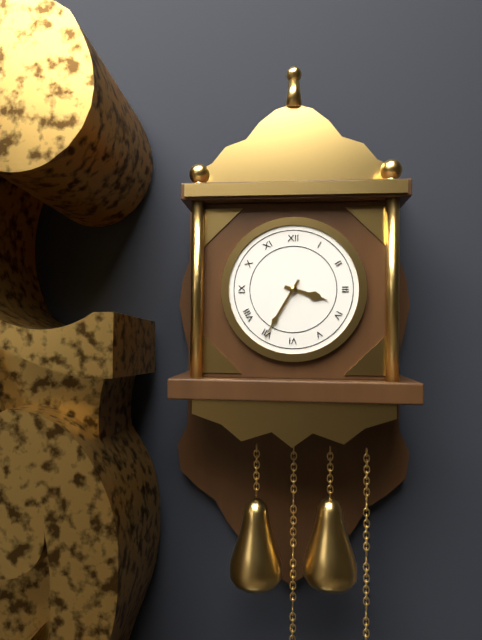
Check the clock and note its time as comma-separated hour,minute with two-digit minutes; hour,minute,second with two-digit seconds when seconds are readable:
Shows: 3,35
